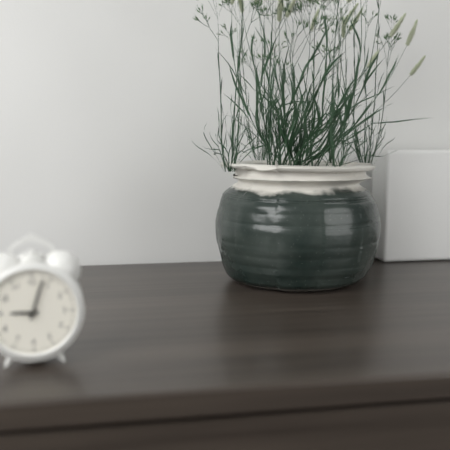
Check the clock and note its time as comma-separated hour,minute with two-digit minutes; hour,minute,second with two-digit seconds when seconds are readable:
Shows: 9,03
